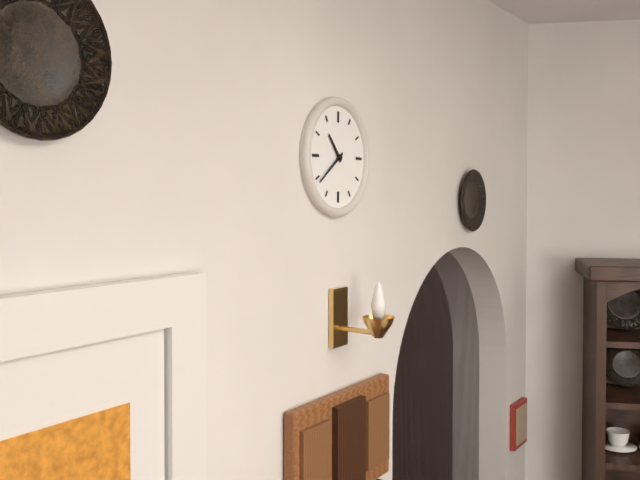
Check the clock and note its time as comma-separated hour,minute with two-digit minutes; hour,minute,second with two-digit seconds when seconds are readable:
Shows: 10,39
